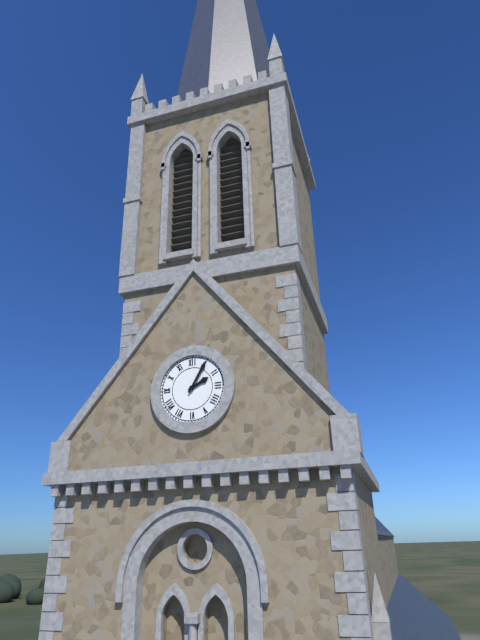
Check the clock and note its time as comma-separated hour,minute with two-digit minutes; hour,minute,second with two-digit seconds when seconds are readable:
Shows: 2,05
